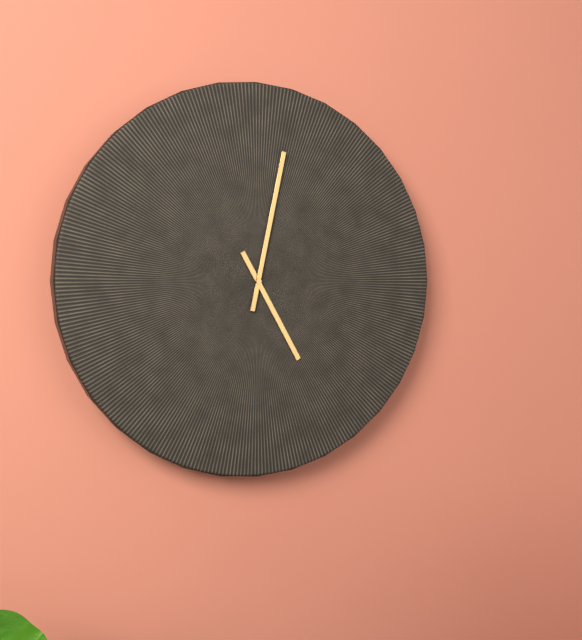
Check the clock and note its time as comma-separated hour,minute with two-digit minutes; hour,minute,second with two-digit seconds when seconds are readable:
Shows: 5,02
